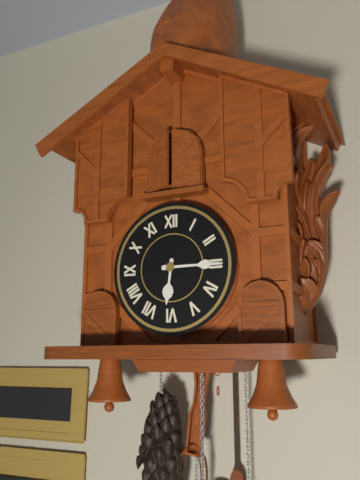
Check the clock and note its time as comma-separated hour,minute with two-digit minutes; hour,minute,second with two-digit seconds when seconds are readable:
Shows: 6,15
